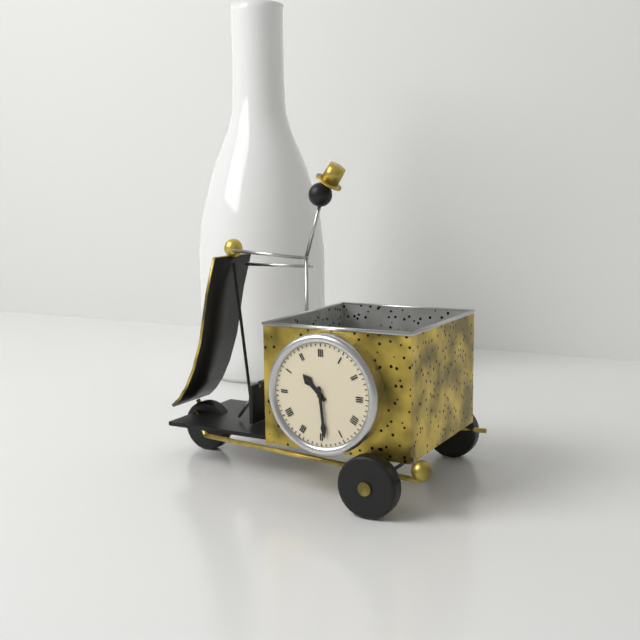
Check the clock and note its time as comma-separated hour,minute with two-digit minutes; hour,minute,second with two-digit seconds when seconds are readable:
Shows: 10,29
